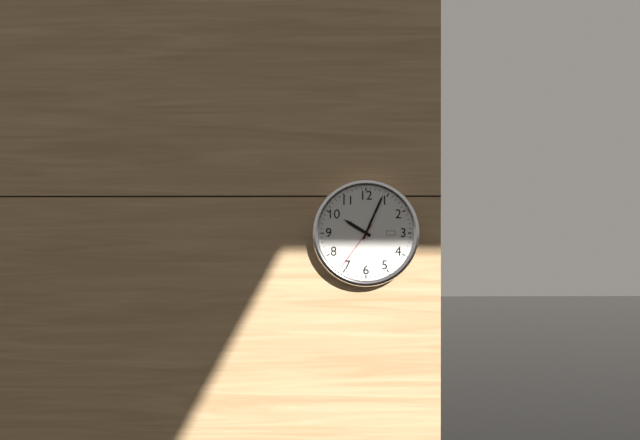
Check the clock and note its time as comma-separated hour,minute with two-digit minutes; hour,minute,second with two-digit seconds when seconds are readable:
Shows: 10,04,36
